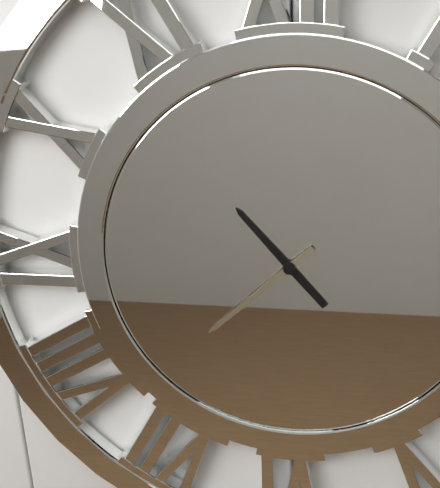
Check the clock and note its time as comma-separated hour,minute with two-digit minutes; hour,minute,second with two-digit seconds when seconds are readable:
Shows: 10,38
